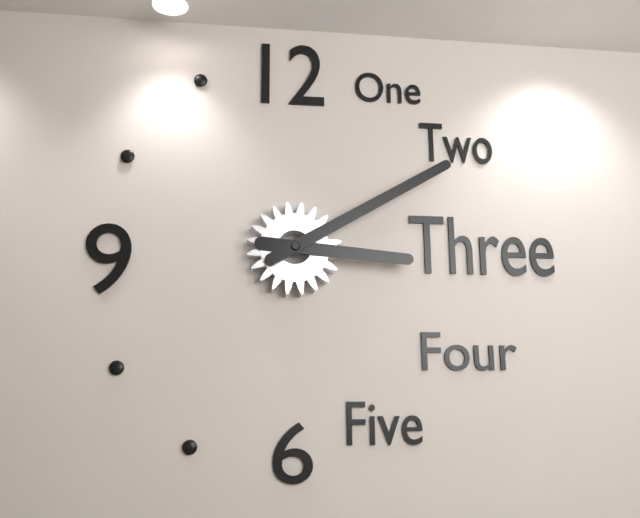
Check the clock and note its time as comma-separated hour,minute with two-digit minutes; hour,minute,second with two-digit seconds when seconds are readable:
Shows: 3,10
